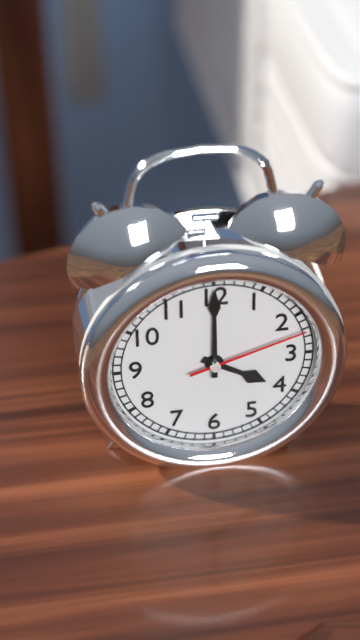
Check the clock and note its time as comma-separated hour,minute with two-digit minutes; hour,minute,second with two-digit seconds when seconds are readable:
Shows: 4,00,12
